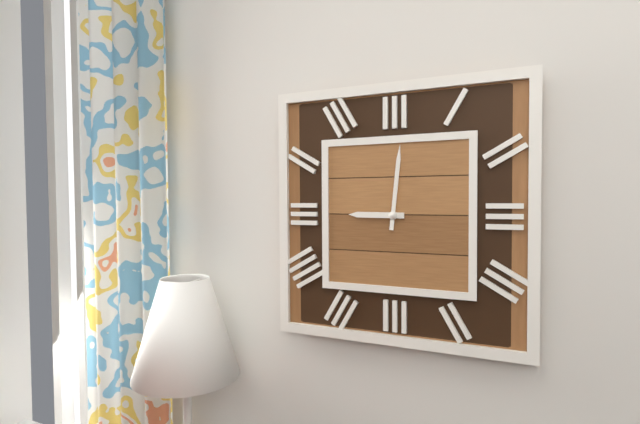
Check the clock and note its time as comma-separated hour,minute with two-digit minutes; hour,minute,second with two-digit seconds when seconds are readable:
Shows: 9,01
